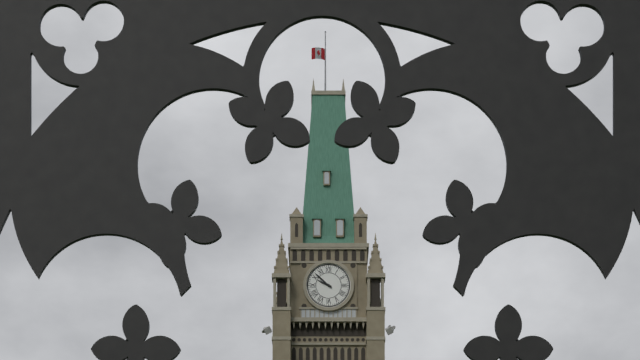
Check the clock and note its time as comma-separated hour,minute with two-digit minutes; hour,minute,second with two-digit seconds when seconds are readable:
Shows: 9,52
